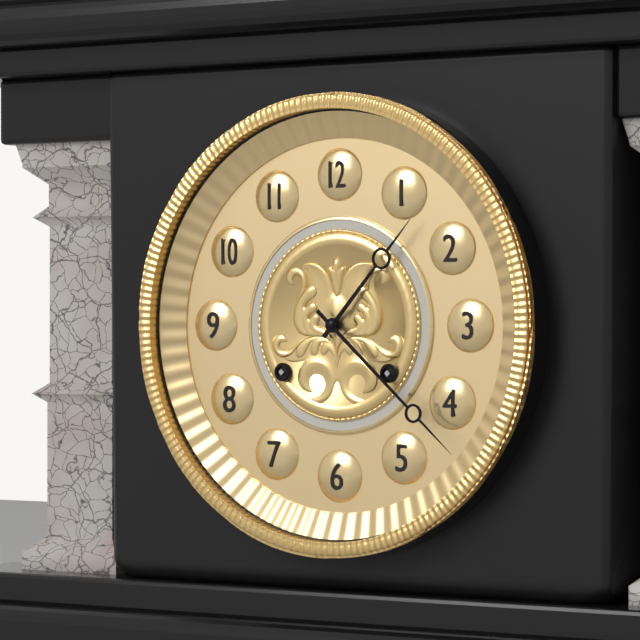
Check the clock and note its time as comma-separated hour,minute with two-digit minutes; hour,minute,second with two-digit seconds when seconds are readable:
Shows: 1,22
